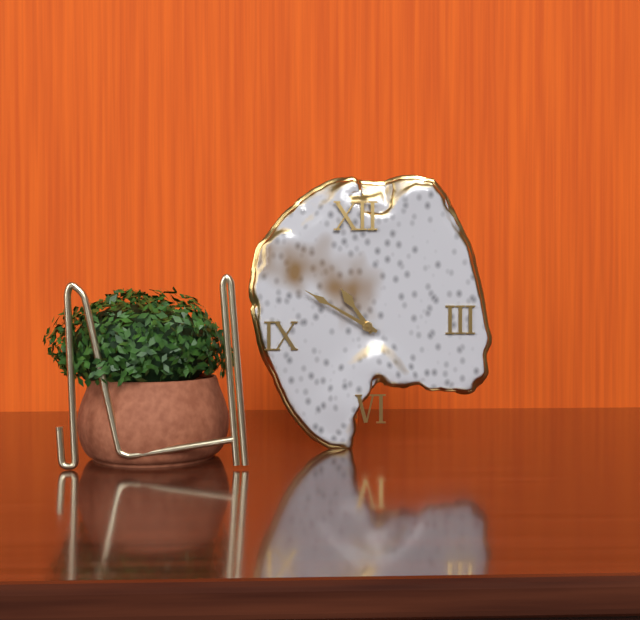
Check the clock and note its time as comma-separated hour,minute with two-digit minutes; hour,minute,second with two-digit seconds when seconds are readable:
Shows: 10,50
